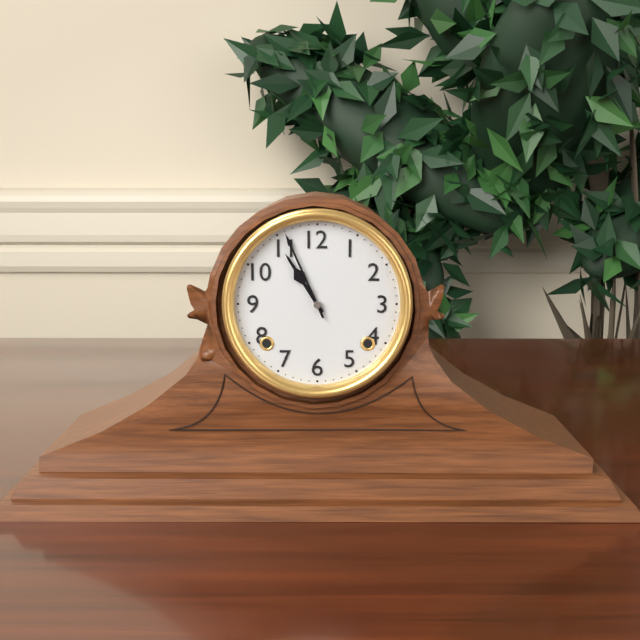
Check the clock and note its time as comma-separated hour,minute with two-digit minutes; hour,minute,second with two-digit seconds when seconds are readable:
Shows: 10,56
